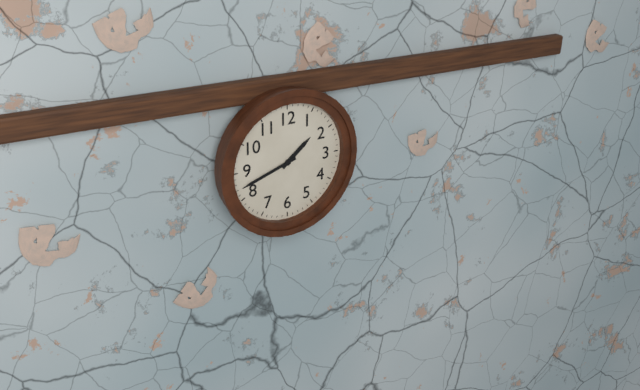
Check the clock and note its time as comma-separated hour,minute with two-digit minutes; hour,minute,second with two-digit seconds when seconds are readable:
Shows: 1,42
